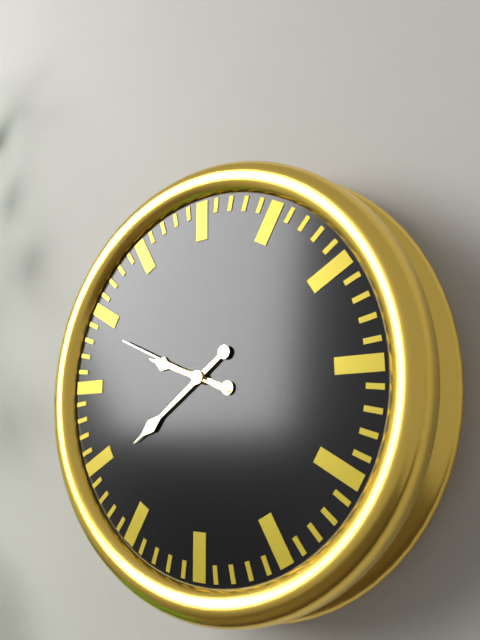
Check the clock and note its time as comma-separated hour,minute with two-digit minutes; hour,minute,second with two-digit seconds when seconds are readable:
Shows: 9,39,49
